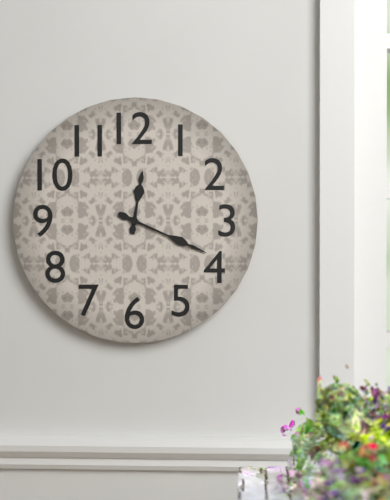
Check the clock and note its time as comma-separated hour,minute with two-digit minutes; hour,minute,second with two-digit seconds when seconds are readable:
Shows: 12,19
